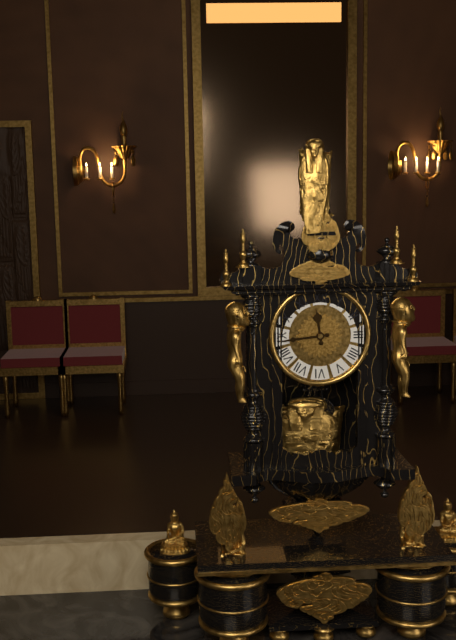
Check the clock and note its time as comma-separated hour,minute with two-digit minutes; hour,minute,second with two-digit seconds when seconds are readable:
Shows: 11,44
